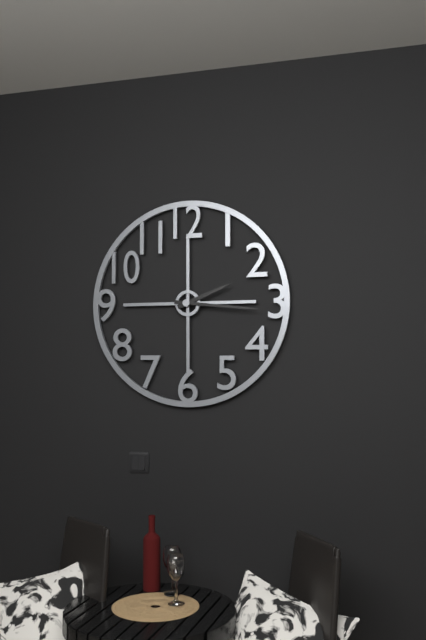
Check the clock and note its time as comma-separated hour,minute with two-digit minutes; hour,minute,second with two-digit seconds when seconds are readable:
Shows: 2,16
